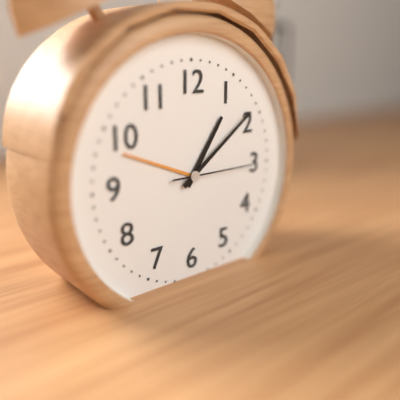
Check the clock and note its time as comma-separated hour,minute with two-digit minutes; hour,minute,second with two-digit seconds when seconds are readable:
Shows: 1,09,15
